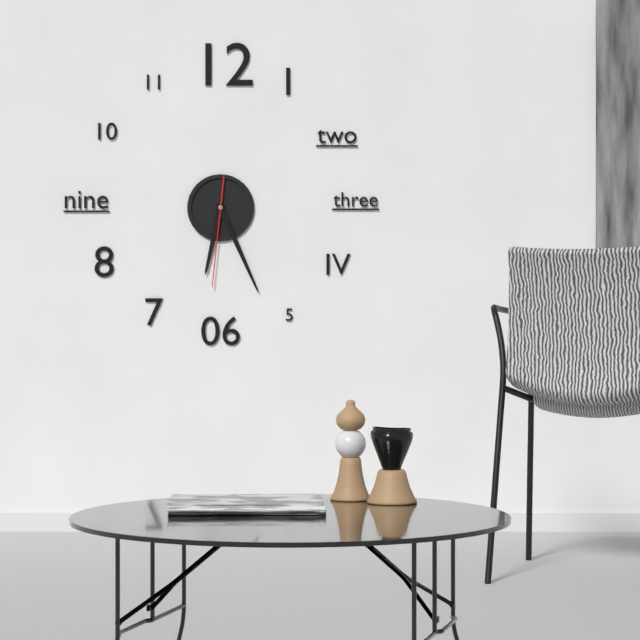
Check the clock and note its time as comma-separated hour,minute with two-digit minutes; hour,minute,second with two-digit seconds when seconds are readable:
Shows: 6,26,31
